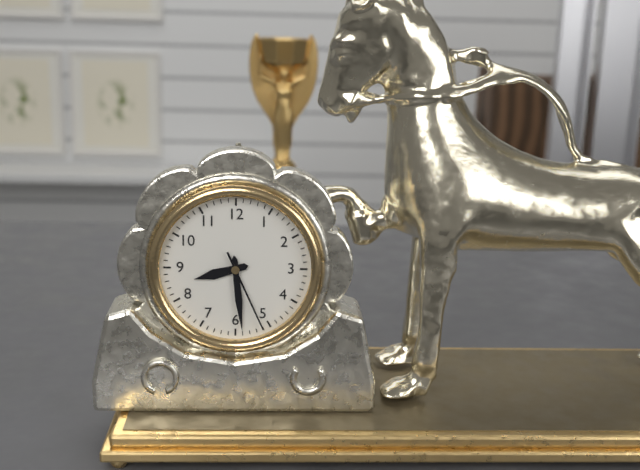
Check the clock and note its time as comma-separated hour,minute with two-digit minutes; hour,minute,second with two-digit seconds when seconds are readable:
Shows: 8,29,26
